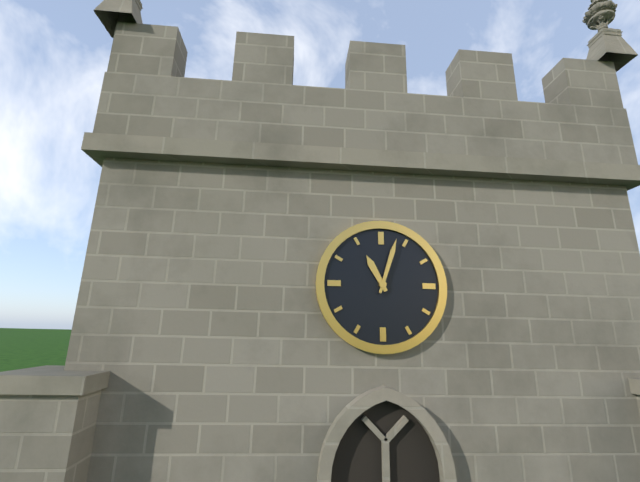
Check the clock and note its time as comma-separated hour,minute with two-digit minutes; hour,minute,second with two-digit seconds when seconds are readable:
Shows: 11,03
